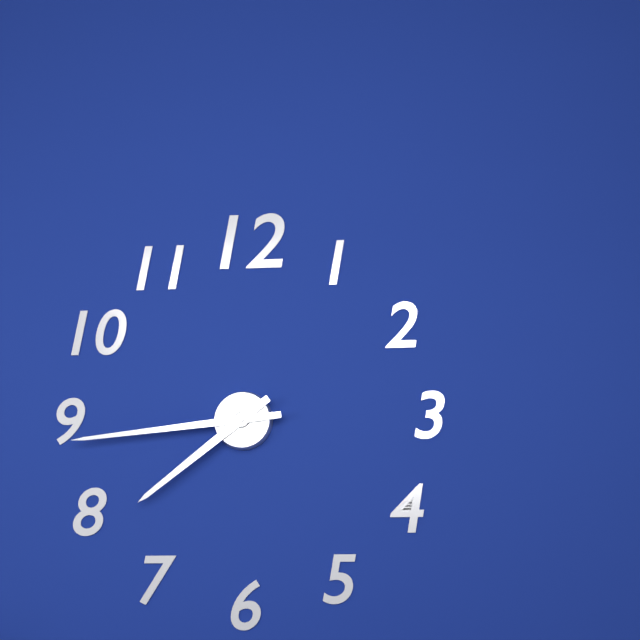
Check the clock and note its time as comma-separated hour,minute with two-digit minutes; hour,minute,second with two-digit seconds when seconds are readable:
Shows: 7,44
